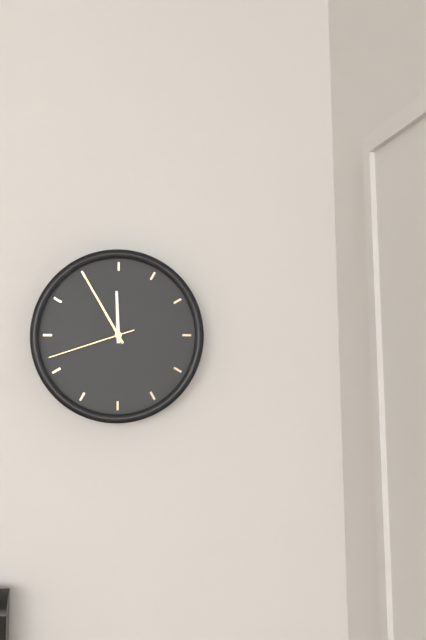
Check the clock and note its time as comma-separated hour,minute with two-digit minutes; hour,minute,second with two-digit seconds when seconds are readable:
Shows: 11,55,42
